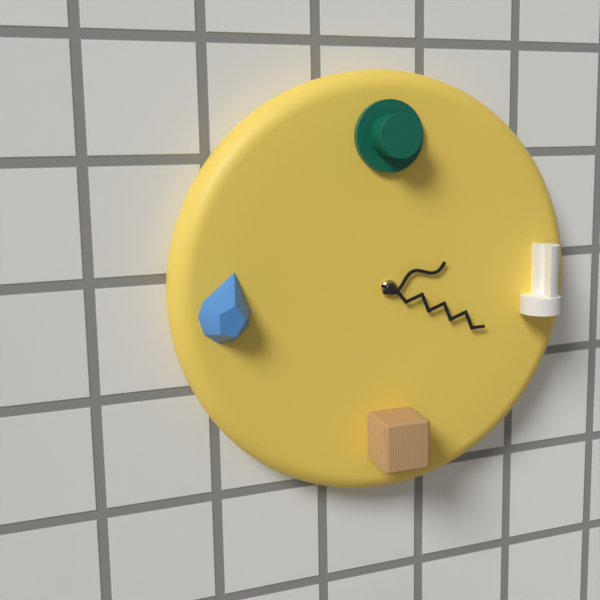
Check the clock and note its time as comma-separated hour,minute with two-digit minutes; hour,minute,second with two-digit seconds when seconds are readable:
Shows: 2,19
